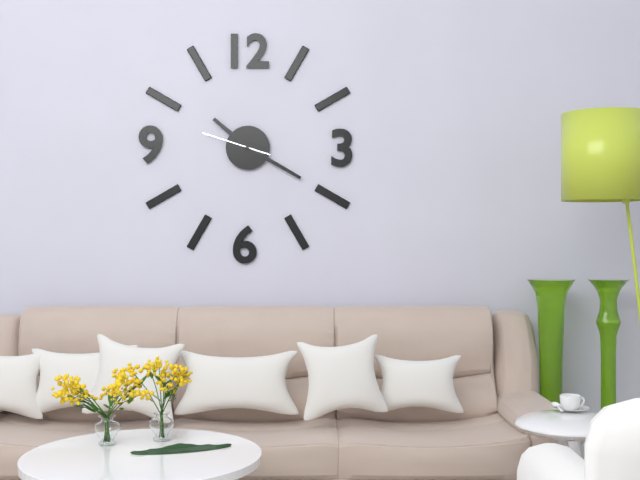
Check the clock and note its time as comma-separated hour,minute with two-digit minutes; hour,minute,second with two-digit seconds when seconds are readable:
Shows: 10,20,48
